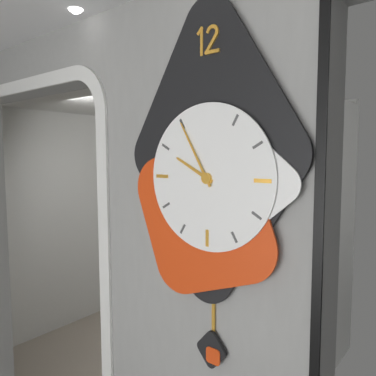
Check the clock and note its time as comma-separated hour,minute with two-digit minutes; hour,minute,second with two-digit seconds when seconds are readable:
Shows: 9,55
